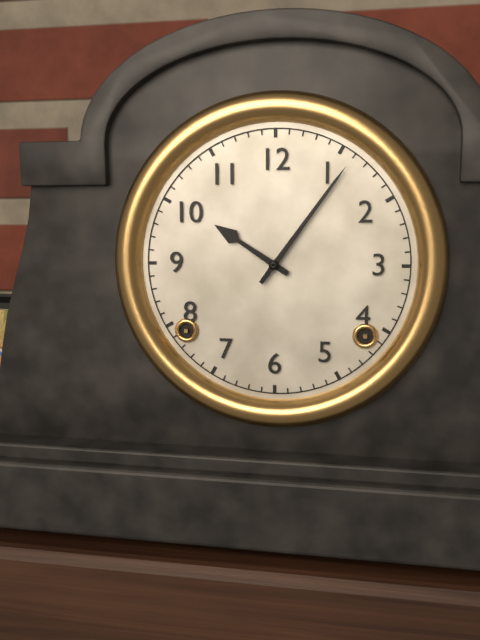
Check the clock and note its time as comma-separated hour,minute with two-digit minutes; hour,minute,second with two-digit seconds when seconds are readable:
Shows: 10,06
